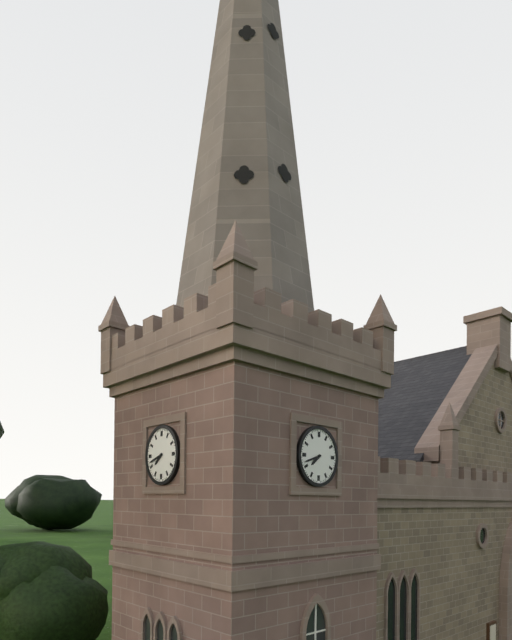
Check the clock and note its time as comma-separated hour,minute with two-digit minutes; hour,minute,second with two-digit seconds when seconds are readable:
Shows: 7,42
